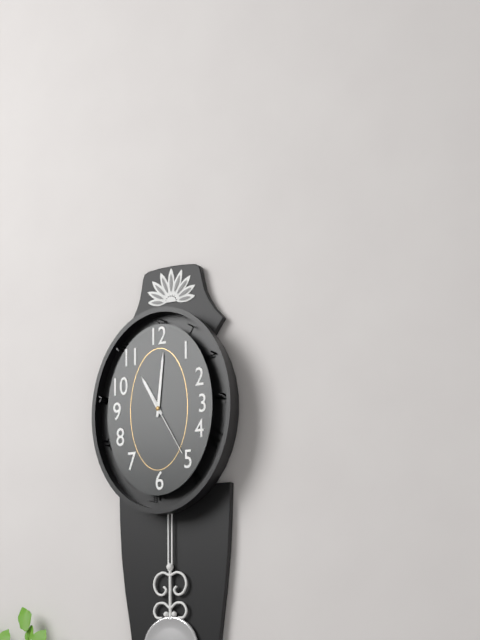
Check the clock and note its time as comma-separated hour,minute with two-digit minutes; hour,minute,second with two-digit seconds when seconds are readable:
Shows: 11,01,25
